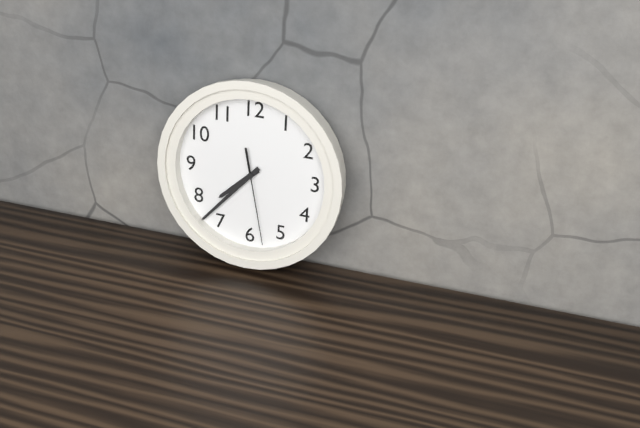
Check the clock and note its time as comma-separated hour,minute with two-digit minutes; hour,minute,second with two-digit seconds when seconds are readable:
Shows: 7,37,28
